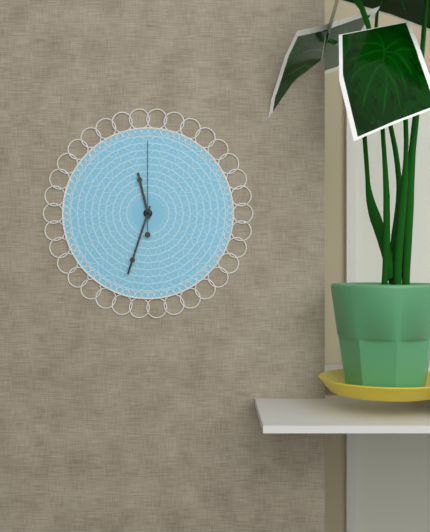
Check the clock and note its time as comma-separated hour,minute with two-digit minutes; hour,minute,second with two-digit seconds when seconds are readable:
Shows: 11,33,00
